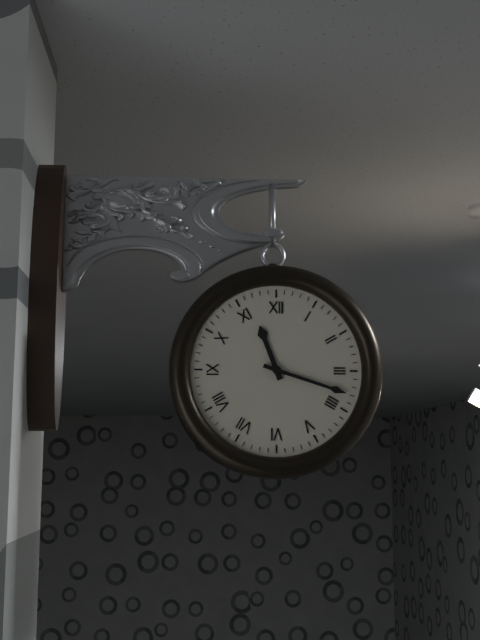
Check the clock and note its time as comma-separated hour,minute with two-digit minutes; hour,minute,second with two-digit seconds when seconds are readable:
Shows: 11,18
